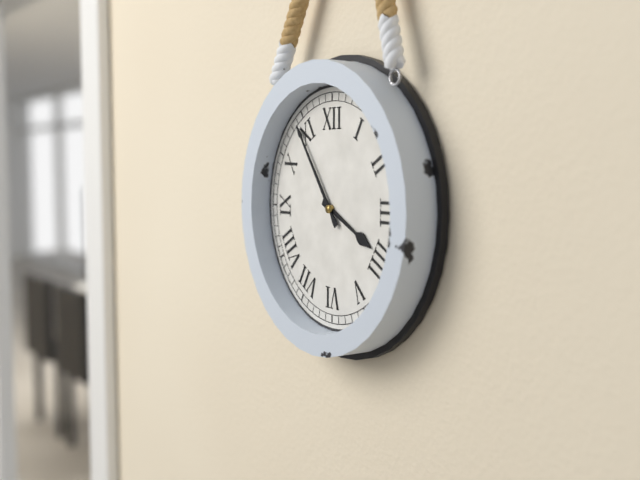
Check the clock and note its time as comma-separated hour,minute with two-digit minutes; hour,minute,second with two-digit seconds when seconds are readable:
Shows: 3,54
